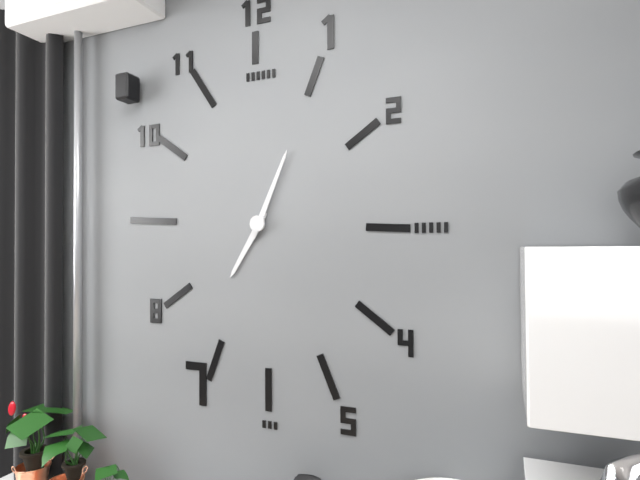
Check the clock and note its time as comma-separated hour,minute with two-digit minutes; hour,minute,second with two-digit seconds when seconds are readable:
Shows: 7,04
